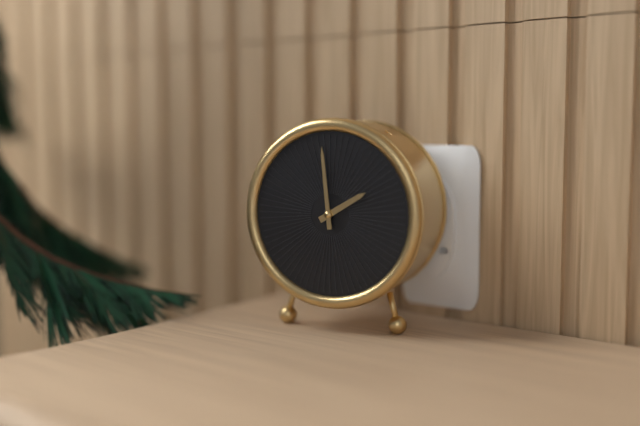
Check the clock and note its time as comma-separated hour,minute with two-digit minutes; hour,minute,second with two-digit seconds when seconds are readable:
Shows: 1,59
